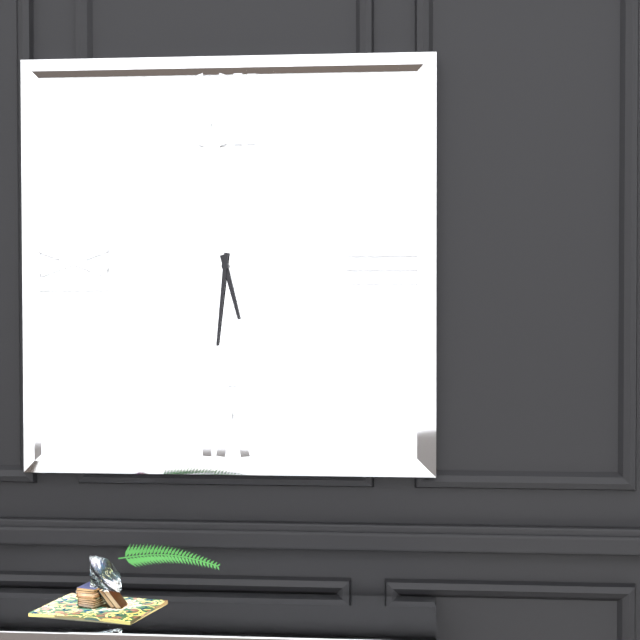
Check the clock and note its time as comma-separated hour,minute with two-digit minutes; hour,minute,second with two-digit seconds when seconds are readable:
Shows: 5,31
